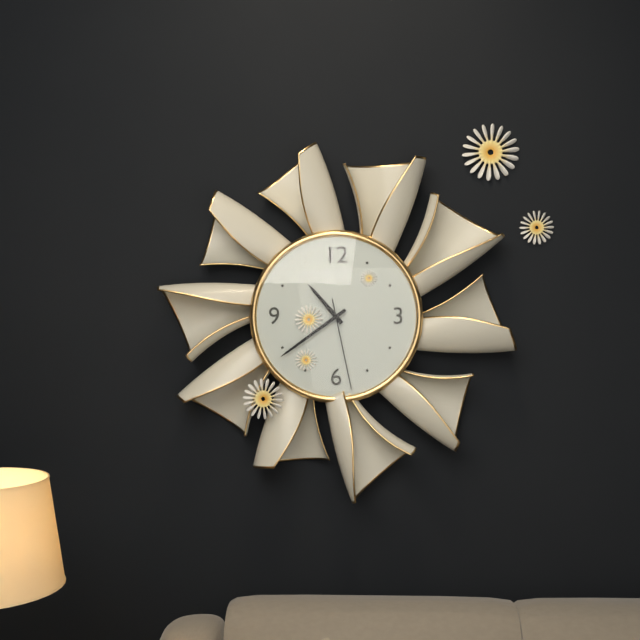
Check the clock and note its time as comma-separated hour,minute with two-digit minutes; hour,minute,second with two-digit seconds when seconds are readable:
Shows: 10,39,28
